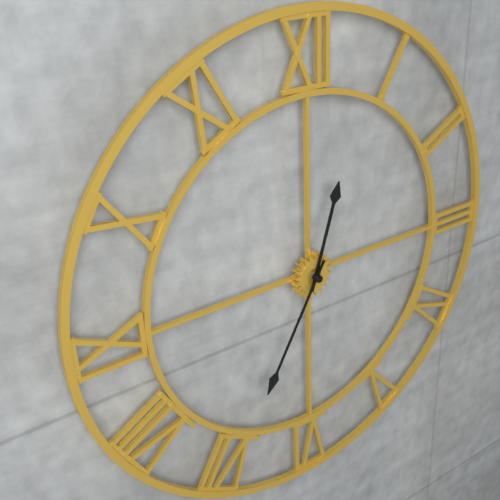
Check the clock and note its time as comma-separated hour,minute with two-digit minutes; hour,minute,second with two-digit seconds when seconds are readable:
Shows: 12,35
